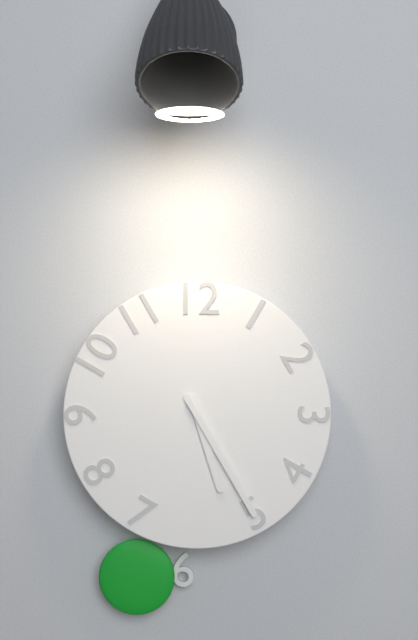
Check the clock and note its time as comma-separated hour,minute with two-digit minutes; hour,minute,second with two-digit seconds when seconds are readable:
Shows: 5,25
